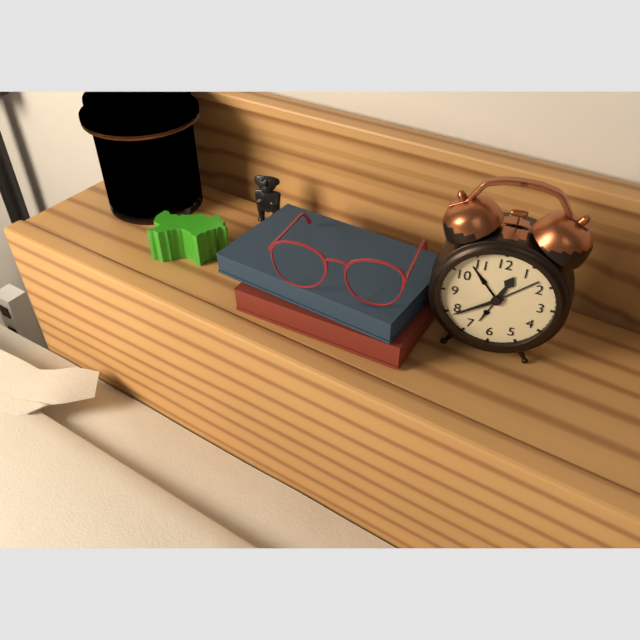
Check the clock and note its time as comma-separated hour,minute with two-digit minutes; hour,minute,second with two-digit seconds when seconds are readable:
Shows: 12,39
